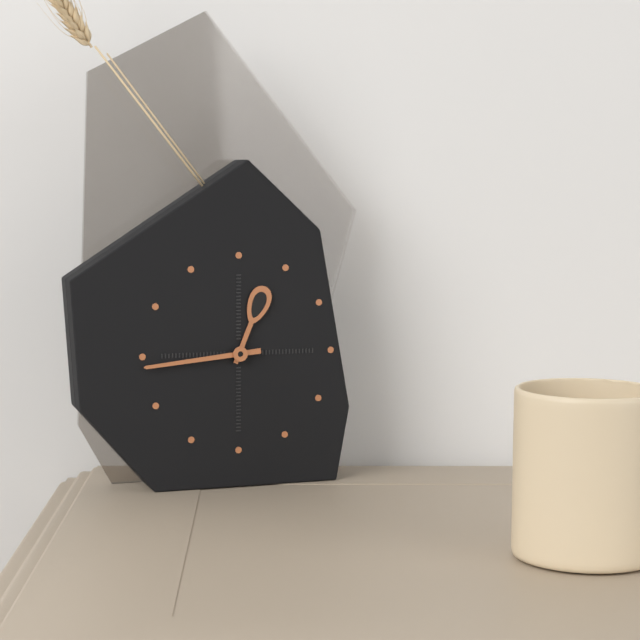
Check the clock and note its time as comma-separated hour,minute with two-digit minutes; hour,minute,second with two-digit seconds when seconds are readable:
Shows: 12,44
